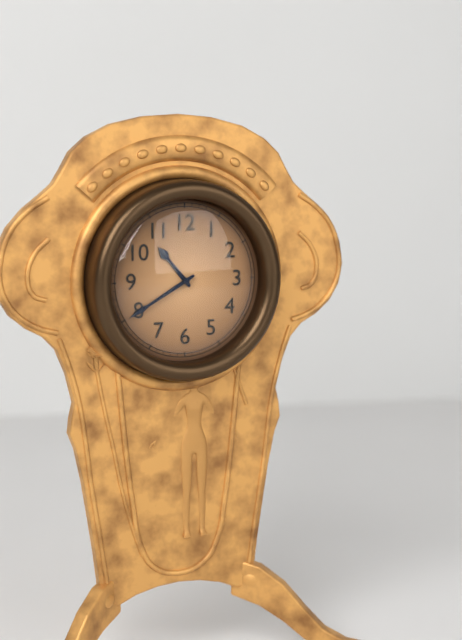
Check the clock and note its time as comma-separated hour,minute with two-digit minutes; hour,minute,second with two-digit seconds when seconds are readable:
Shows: 10,40
